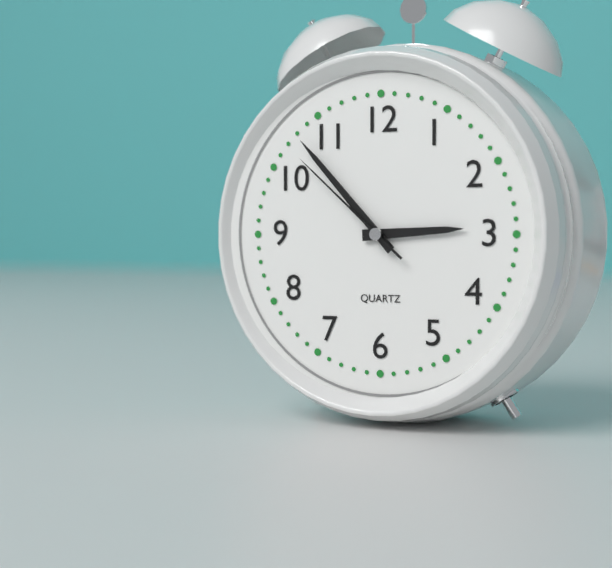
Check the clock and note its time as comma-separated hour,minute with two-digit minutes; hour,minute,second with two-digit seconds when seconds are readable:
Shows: 2,53,52
